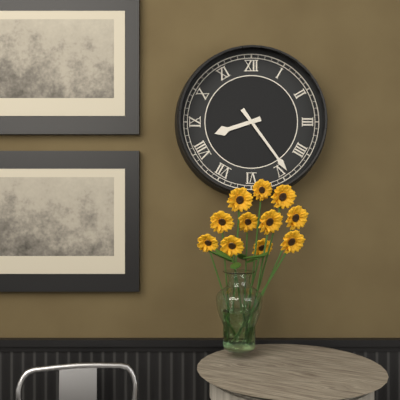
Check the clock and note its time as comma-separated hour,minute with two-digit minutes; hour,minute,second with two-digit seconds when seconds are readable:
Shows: 8,24
